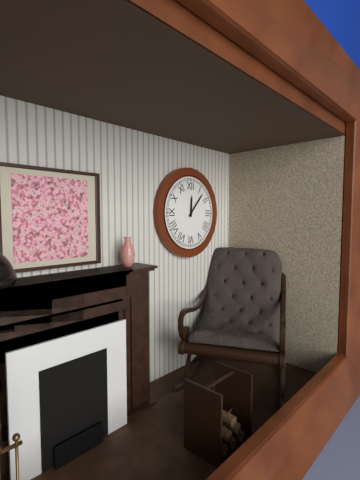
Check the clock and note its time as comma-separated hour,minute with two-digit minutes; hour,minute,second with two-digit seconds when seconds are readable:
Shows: 12,07
